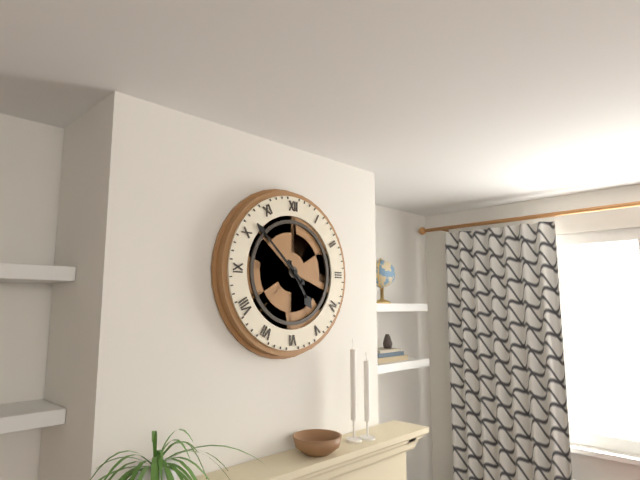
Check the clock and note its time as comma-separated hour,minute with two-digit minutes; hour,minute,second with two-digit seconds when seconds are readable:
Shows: 4,52
